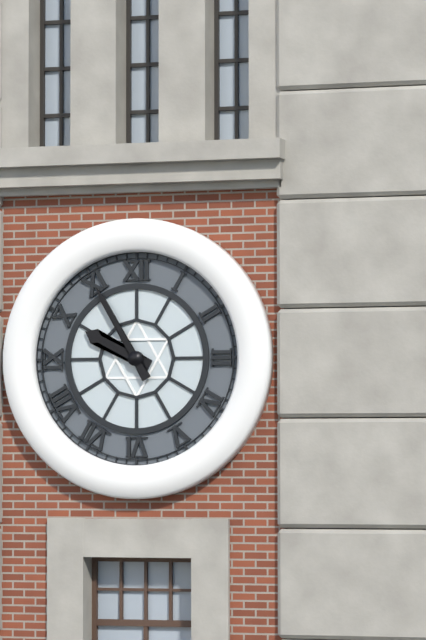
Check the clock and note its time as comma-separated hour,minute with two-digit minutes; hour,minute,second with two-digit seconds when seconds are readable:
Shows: 9,55
